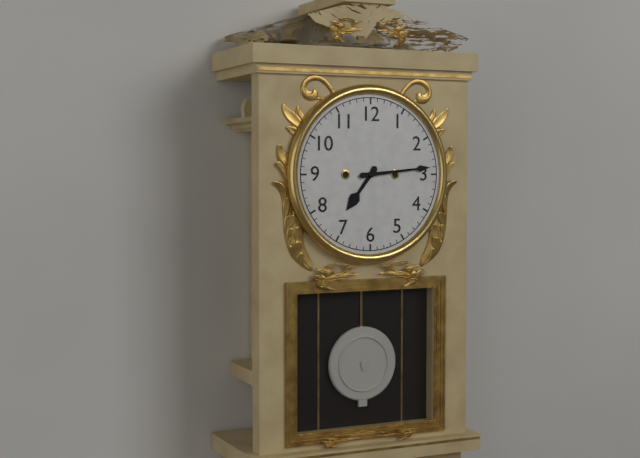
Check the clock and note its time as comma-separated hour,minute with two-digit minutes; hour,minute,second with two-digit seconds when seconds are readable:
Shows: 7,14
